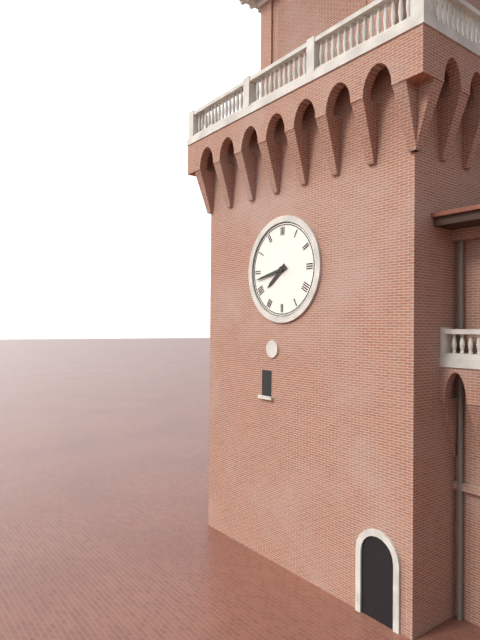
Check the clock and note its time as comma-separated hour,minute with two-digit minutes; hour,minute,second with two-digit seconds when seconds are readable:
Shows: 7,43
